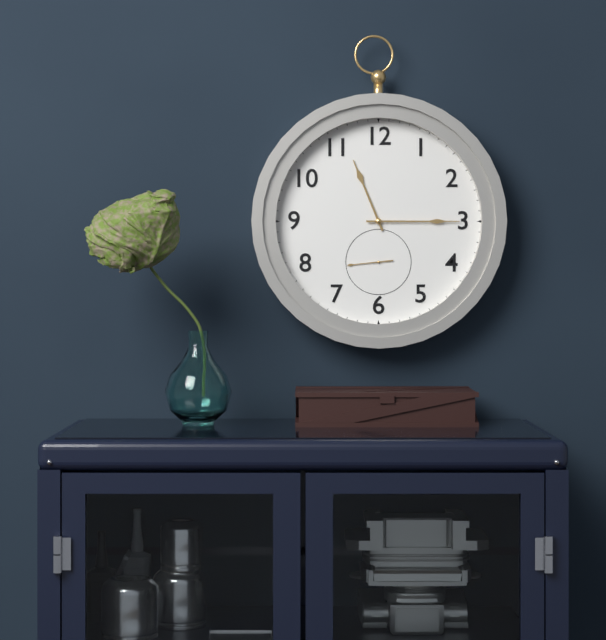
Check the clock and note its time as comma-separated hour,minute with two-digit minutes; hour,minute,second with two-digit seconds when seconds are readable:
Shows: 11,15
